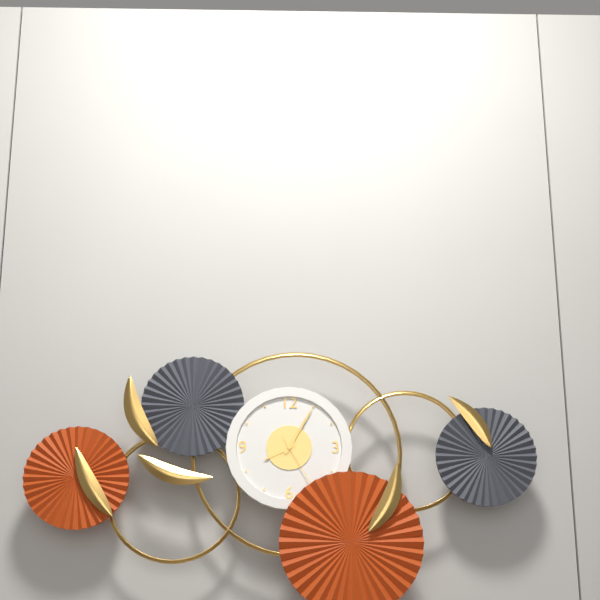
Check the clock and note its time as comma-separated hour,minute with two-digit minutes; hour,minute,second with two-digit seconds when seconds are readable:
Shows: 8,05,25
